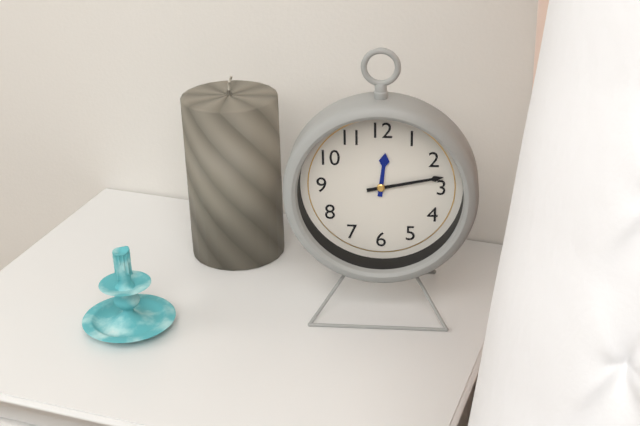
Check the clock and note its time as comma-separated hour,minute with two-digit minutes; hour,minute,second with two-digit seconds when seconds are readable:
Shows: 12,13
